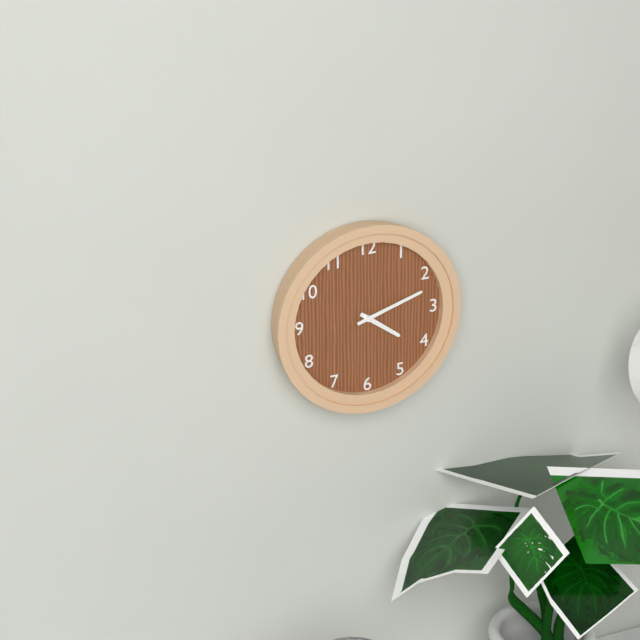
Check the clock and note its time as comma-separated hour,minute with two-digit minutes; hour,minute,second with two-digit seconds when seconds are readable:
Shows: 4,12
